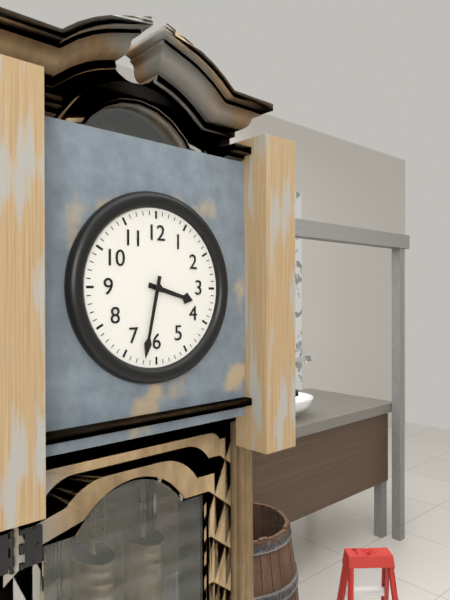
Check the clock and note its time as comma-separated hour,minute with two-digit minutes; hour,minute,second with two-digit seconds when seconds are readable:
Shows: 3,32
